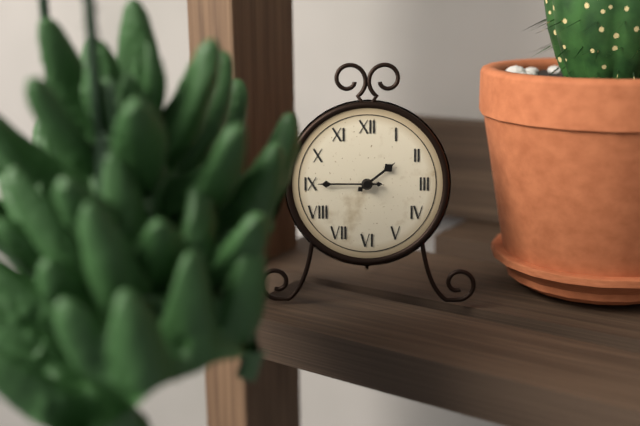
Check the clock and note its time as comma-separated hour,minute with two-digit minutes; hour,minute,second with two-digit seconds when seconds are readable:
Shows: 1,45
